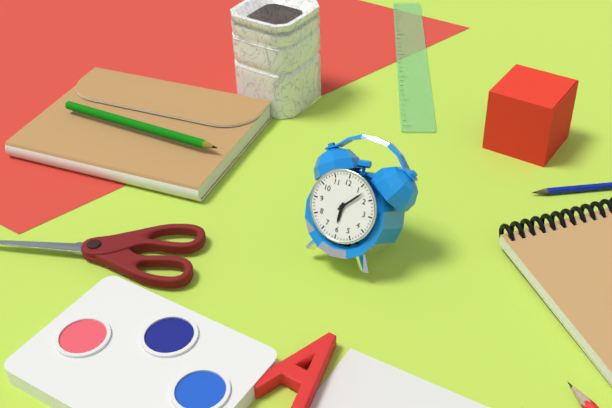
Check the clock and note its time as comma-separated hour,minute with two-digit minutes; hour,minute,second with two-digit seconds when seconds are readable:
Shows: 6,07
